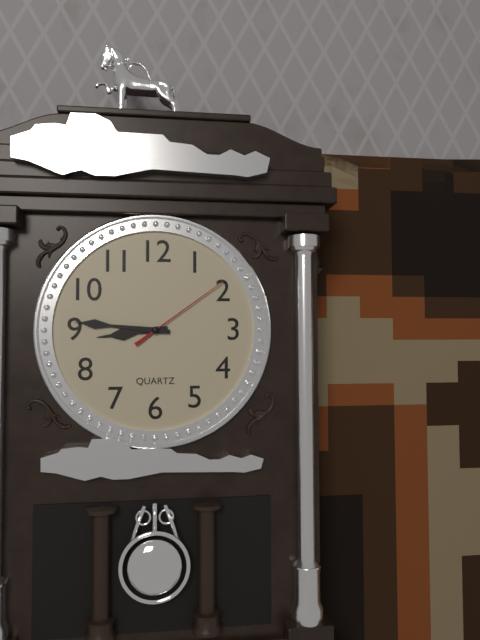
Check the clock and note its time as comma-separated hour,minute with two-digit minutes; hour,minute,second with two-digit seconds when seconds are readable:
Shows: 8,46,09
